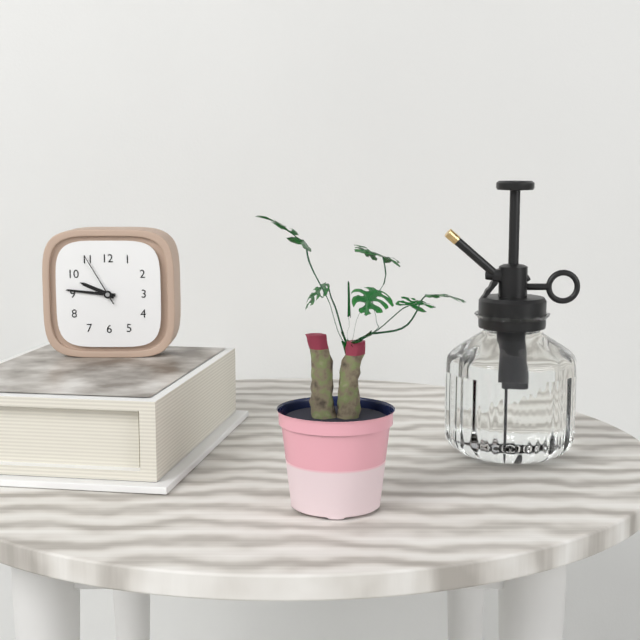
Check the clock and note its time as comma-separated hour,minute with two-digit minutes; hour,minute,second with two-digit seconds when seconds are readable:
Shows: 9,46,55
